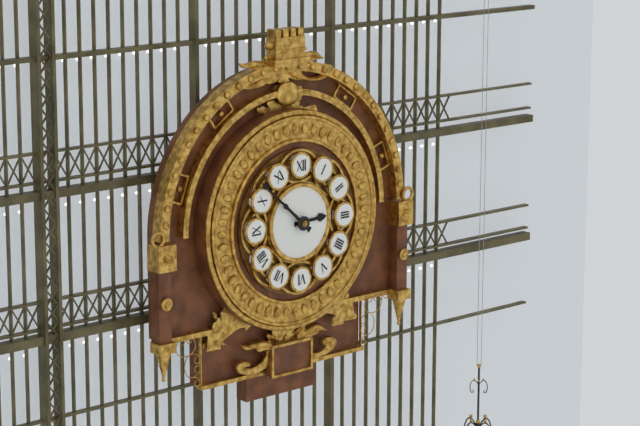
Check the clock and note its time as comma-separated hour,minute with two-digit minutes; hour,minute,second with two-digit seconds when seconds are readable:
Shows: 2,52
